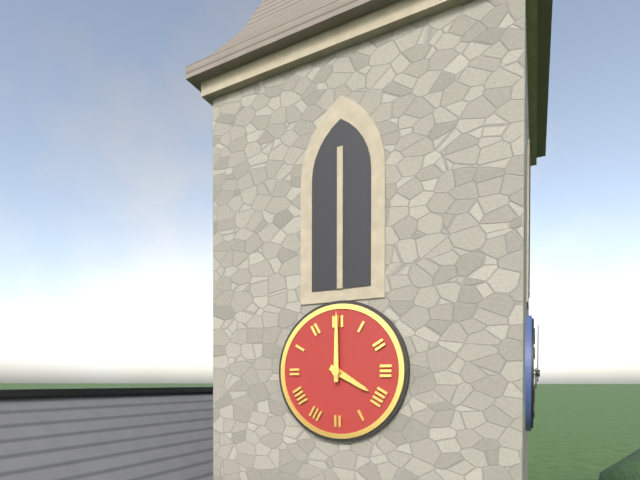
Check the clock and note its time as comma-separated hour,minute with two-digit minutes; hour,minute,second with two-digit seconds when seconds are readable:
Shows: 4,00
